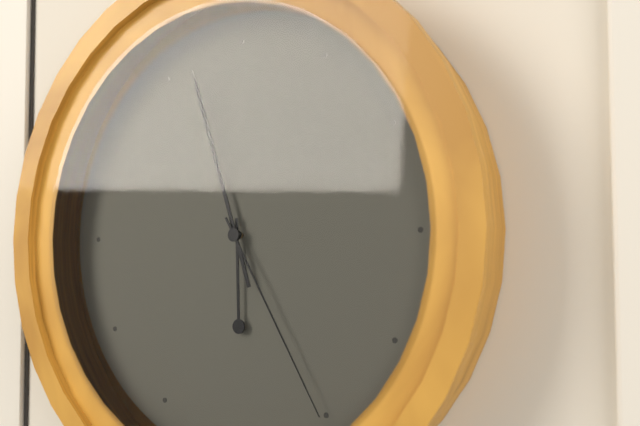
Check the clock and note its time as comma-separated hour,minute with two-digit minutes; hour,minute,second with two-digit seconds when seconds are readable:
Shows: 5,57,25
